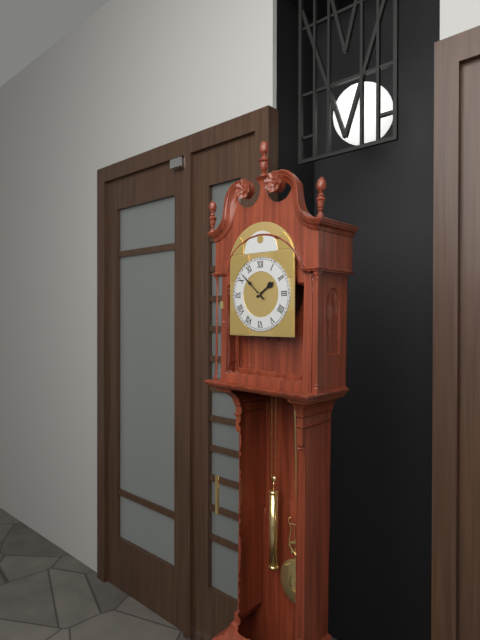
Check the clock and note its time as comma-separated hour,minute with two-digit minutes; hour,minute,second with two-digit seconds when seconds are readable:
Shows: 1,52
